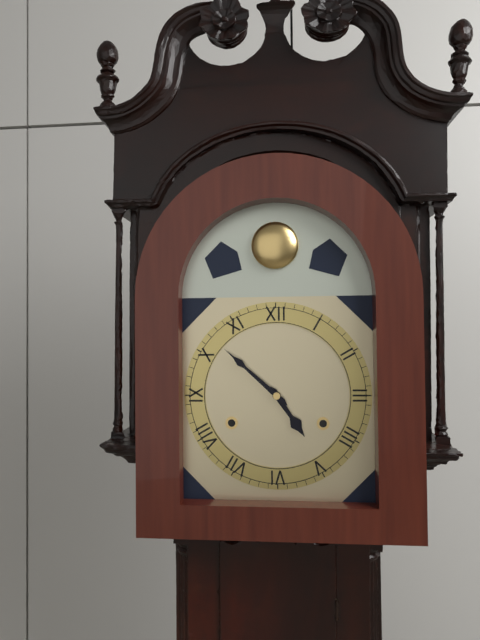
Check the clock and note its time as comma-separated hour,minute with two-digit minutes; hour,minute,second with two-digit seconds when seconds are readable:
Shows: 4,52
